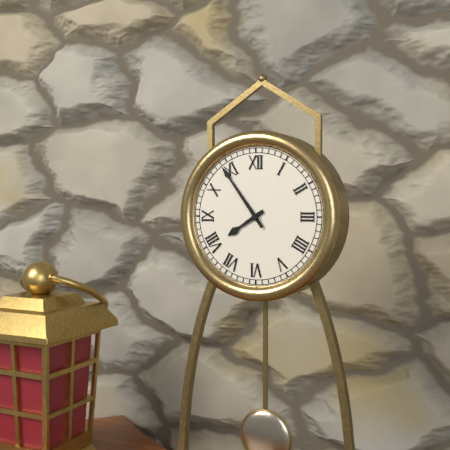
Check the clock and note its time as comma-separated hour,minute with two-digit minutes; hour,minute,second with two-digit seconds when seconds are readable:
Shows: 7,54
